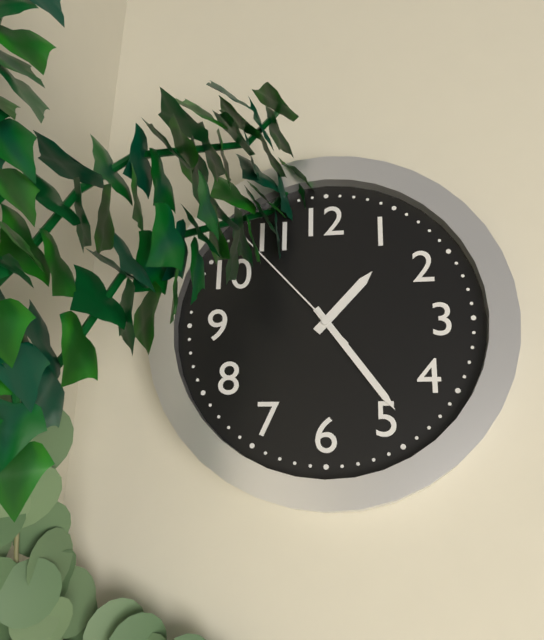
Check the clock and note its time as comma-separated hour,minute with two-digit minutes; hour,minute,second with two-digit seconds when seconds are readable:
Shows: 1,24,53
